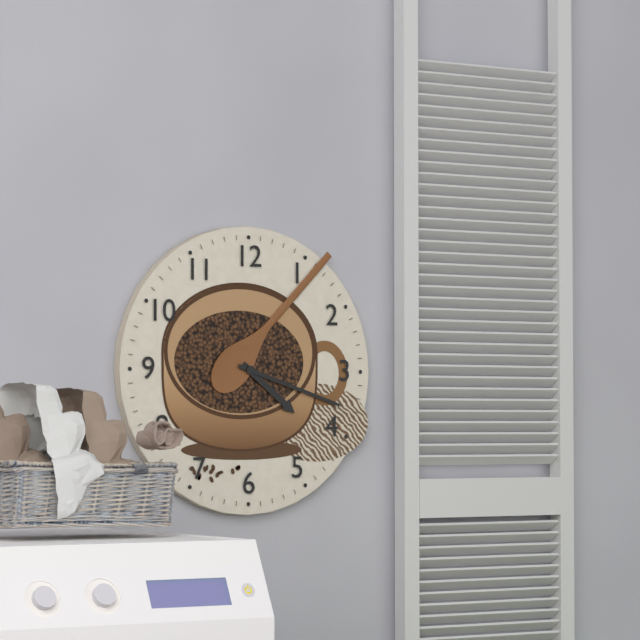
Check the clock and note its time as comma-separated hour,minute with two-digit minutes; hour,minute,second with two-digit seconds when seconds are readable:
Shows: 4,18
